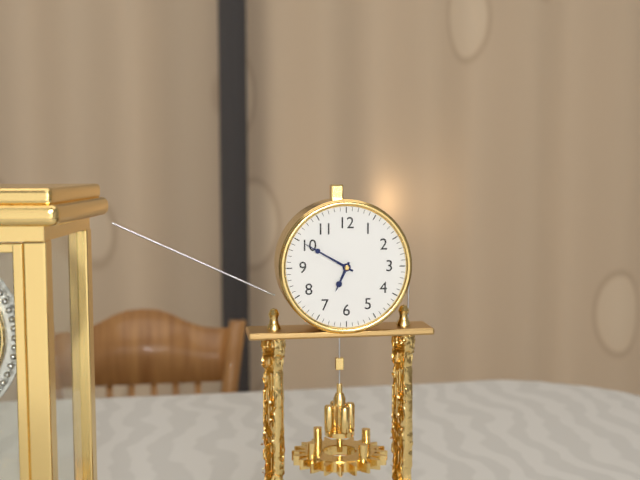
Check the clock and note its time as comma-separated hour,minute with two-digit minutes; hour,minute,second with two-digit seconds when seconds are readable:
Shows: 6,50
